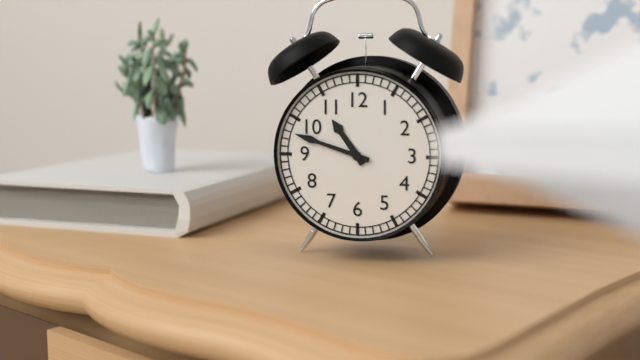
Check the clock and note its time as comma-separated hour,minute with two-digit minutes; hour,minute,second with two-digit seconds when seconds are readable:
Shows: 10,48
